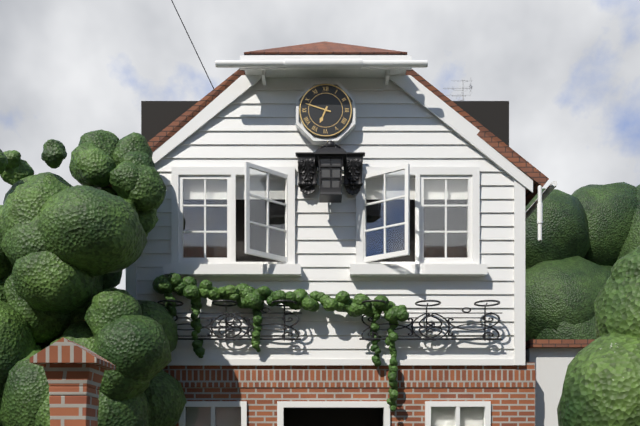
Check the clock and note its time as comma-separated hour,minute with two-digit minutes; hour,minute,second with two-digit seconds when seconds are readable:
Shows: 6,48
